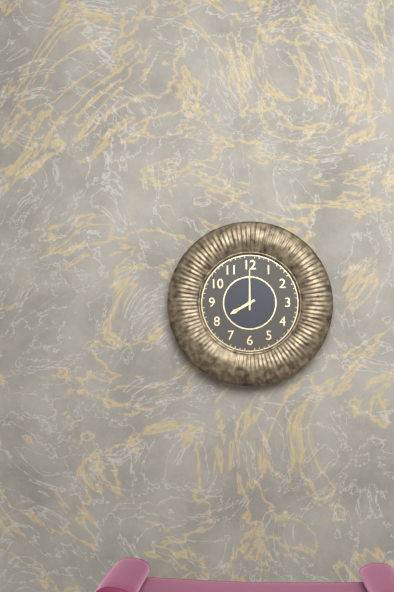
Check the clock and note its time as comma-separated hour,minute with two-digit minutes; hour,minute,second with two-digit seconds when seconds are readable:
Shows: 8,00
